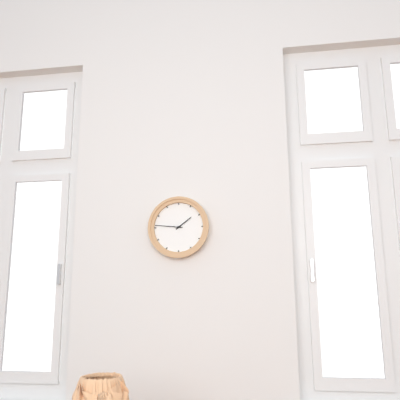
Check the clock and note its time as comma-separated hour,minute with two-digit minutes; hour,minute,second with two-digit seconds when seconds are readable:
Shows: 1,46
